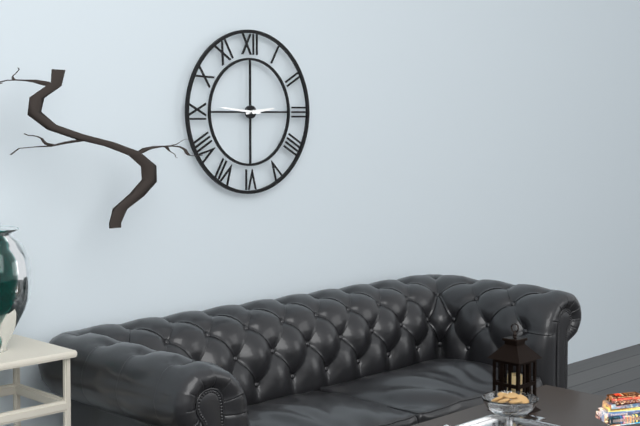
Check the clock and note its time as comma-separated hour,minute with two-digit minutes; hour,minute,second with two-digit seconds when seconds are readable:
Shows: 2,46
